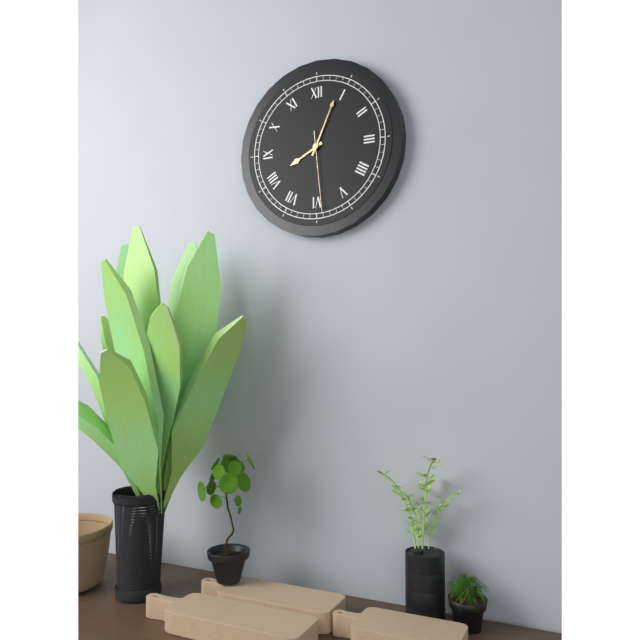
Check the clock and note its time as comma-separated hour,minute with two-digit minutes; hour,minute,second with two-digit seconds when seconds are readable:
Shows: 8,04,29
